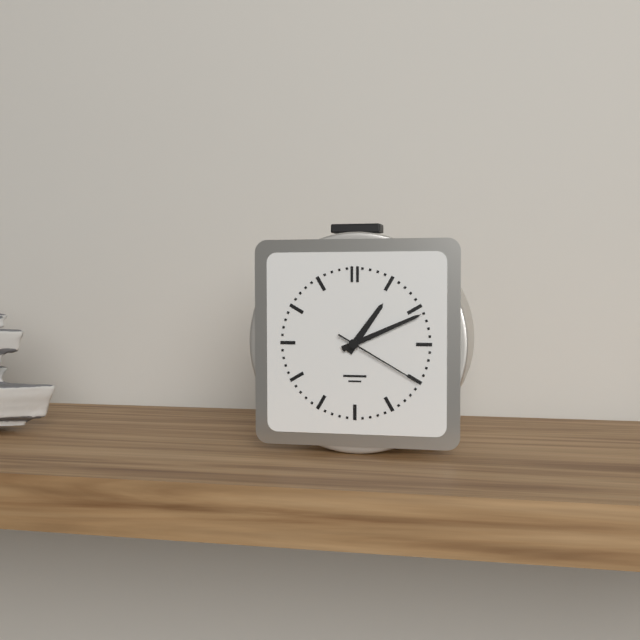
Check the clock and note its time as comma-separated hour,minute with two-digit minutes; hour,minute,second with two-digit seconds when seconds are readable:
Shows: 1,11,20
